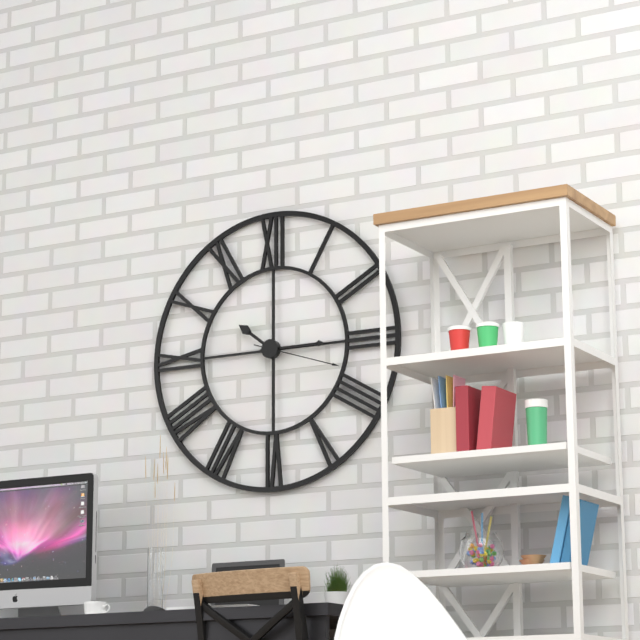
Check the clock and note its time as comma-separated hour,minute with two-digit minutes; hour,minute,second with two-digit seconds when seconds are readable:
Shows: 10,15,18
